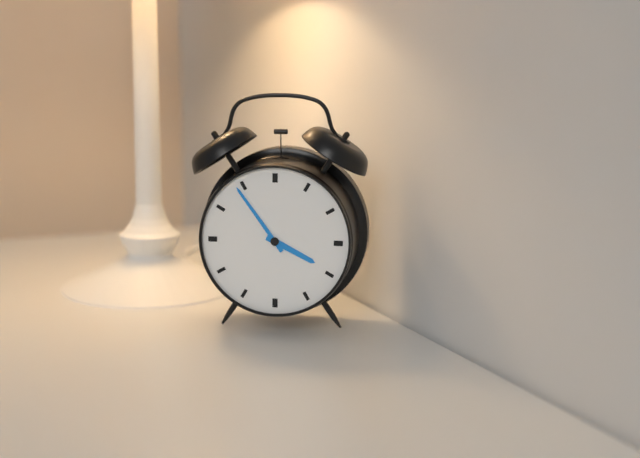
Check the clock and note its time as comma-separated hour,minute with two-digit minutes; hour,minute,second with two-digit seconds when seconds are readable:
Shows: 3,54
